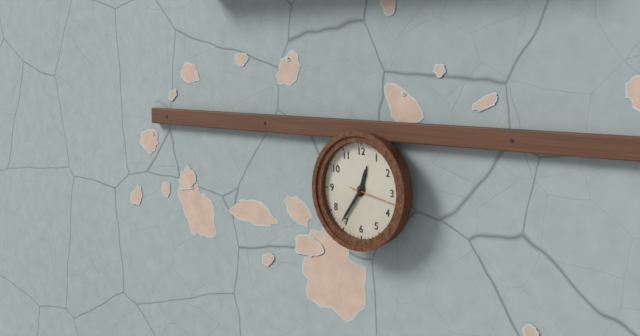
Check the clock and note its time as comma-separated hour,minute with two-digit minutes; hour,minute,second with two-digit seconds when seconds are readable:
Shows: 12,36
